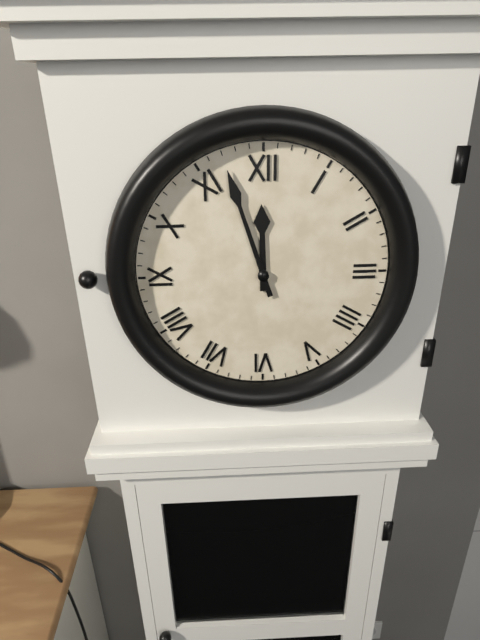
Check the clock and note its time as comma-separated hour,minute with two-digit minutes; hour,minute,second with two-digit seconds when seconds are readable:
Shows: 11,57
